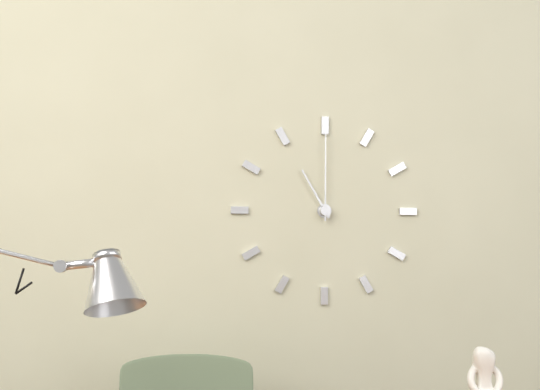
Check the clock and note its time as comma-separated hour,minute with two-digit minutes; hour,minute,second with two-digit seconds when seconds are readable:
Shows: 11,00
